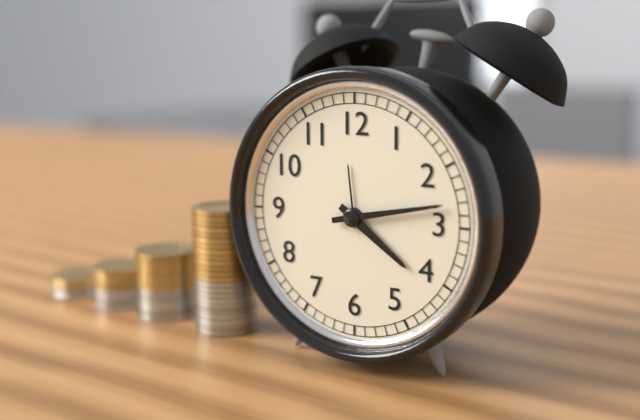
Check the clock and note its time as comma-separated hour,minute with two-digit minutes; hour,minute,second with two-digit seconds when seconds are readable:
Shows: 4,13
